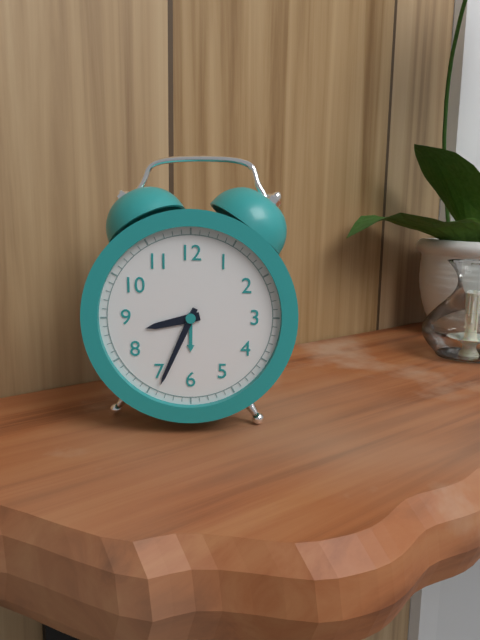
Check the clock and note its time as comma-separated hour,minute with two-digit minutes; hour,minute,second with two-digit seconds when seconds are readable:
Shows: 8,34
